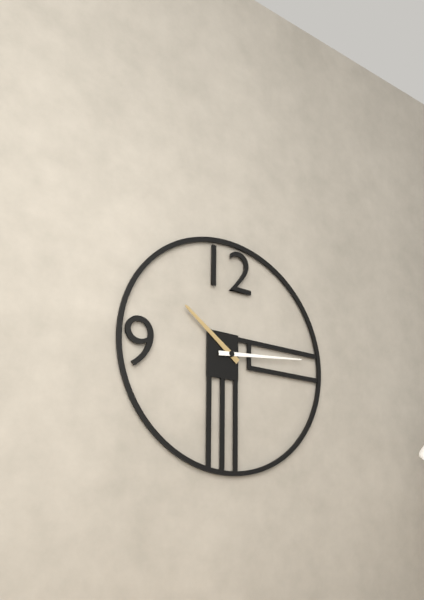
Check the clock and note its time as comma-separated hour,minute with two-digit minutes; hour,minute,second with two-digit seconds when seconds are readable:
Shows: 10,14
